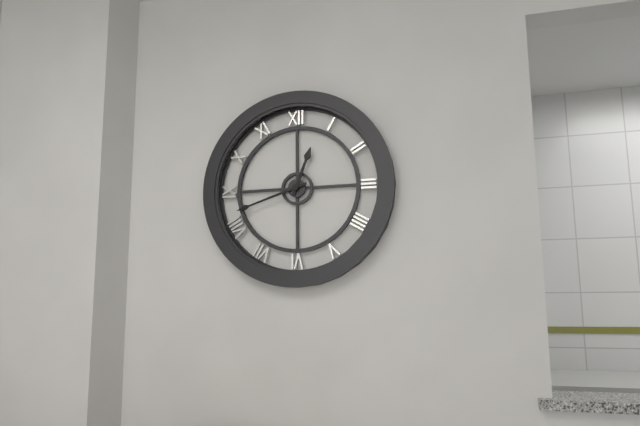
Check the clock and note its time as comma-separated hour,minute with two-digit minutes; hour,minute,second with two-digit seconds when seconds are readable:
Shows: 12,42
